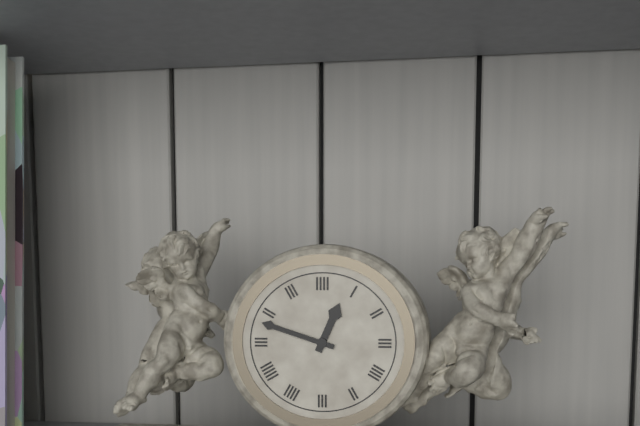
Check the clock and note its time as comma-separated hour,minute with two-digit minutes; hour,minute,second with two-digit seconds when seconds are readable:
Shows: 12,48
